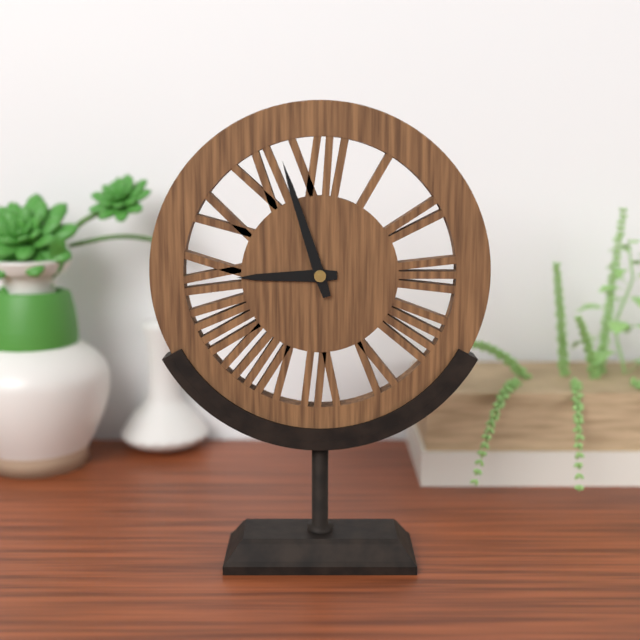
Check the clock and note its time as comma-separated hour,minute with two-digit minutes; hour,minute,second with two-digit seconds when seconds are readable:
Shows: 8,57
